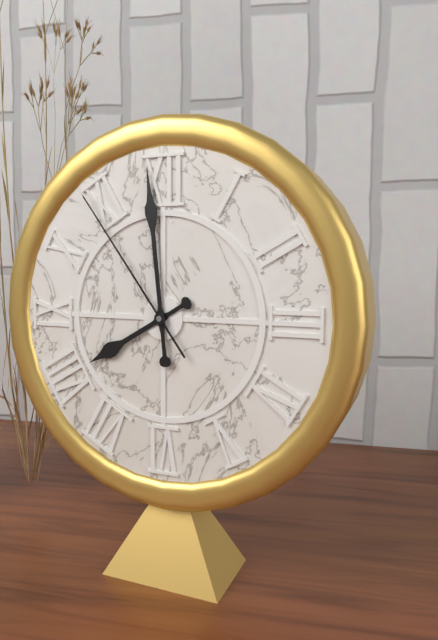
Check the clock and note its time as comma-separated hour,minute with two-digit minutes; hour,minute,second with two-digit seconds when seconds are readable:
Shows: 7,59,54
